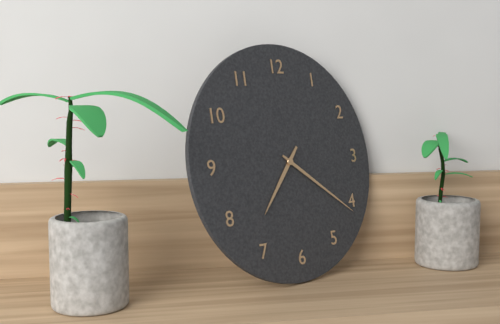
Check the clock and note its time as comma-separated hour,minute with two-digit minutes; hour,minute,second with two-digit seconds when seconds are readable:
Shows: 7,21
